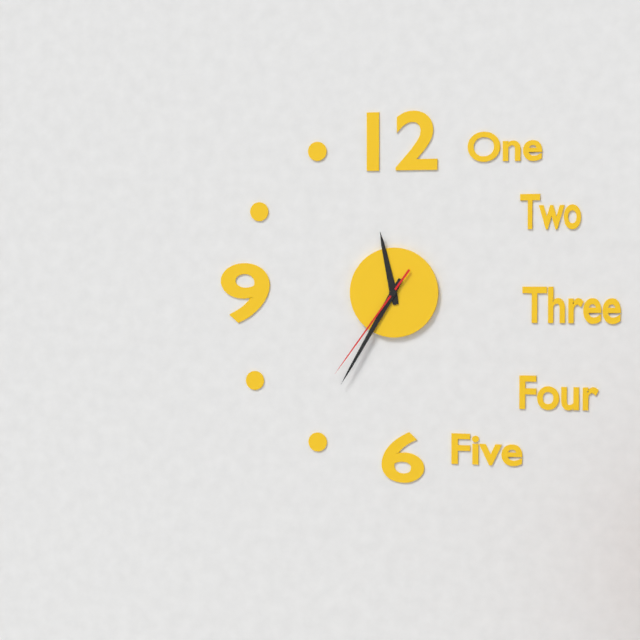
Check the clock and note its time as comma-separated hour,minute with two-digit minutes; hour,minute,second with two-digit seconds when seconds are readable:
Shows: 11,35,36
